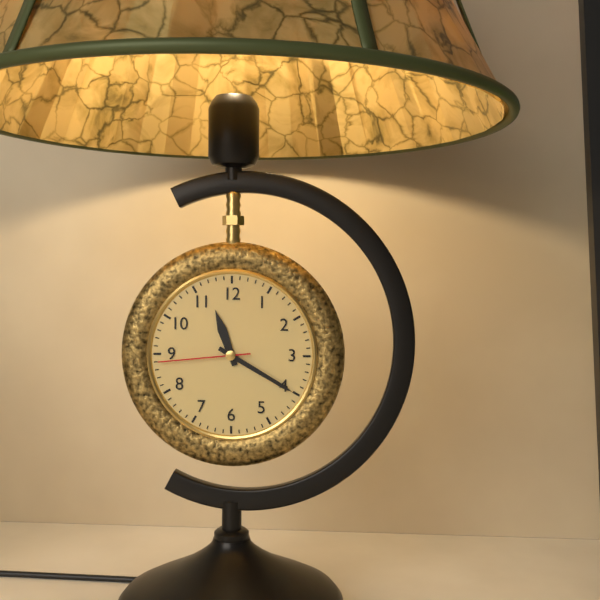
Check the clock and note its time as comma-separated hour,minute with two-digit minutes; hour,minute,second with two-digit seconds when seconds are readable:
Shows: 11,20,44
